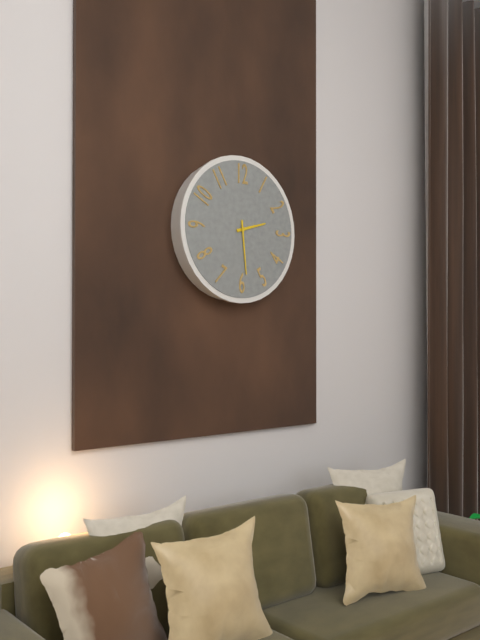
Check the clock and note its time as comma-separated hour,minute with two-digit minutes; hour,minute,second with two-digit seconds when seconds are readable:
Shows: 2,29
